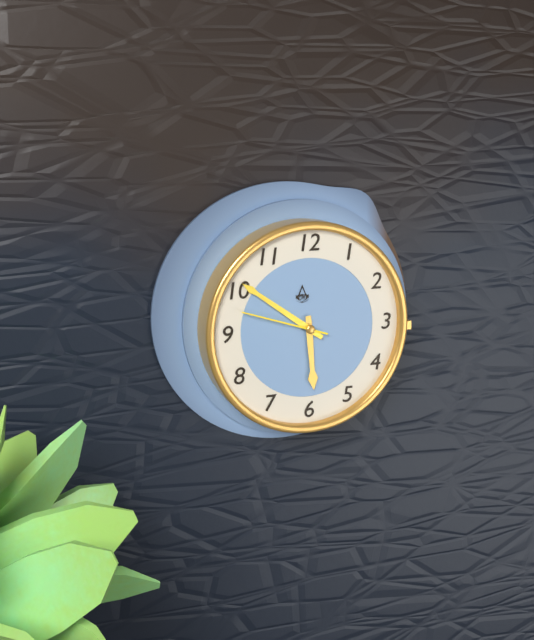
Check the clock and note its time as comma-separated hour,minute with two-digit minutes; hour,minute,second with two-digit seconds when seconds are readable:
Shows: 5,51,48
